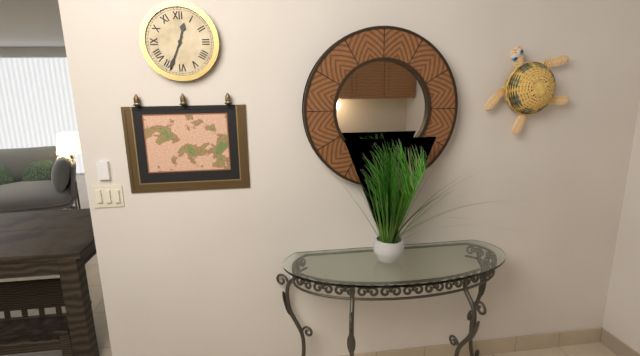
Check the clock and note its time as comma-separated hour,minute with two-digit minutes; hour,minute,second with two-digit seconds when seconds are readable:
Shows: 12,34
